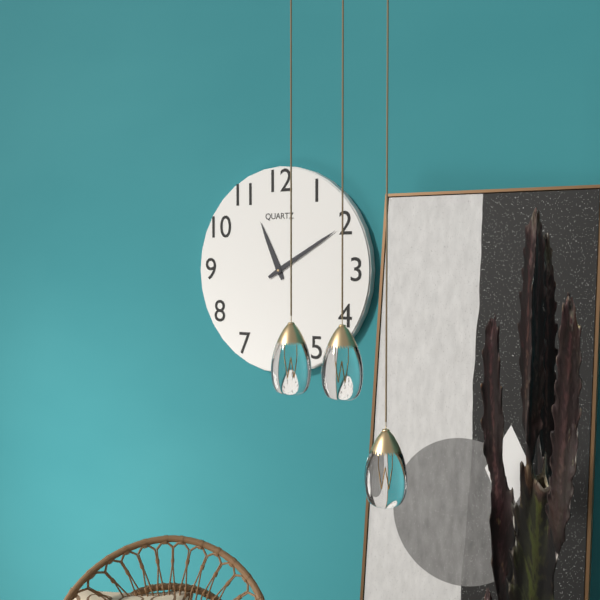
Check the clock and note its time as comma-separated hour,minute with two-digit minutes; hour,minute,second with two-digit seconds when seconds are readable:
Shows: 11,10
